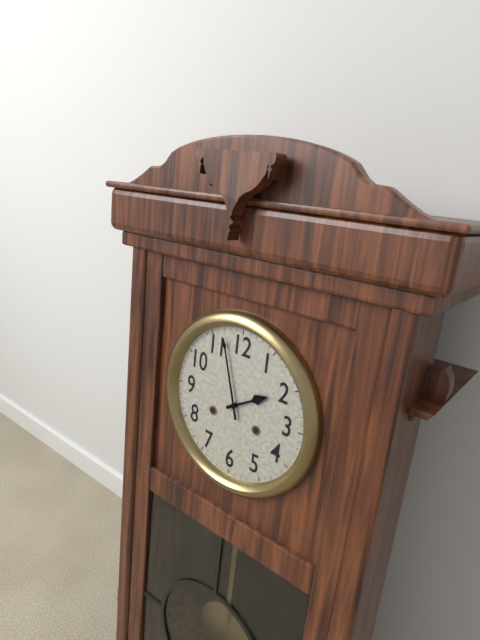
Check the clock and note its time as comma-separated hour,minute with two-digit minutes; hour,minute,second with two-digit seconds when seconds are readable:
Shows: 1,57
